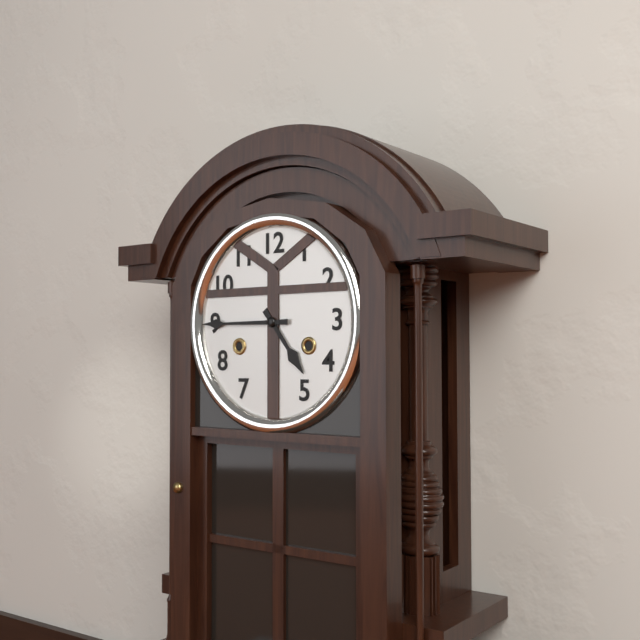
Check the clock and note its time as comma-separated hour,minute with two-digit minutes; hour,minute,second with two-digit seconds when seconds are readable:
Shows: 4,45
